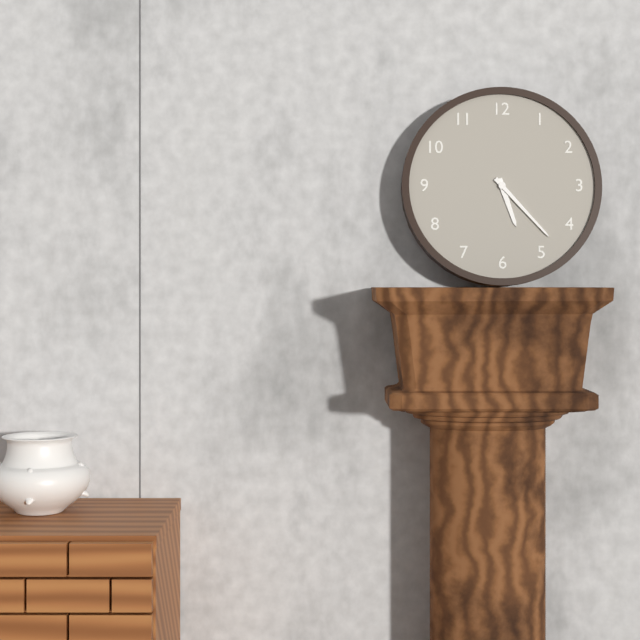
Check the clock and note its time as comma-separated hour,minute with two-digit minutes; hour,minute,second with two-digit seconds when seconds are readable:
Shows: 5,23
